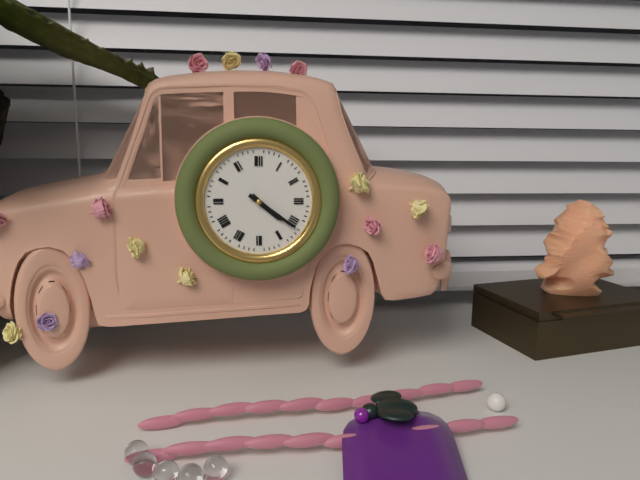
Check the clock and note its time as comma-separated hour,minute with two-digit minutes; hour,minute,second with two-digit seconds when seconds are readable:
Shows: 4,21
